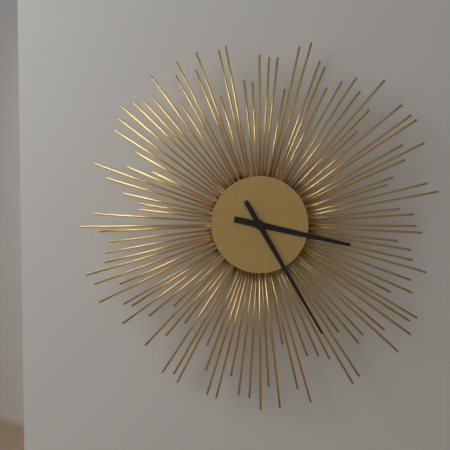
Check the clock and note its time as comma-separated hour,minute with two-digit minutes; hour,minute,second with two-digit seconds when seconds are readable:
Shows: 3,25
